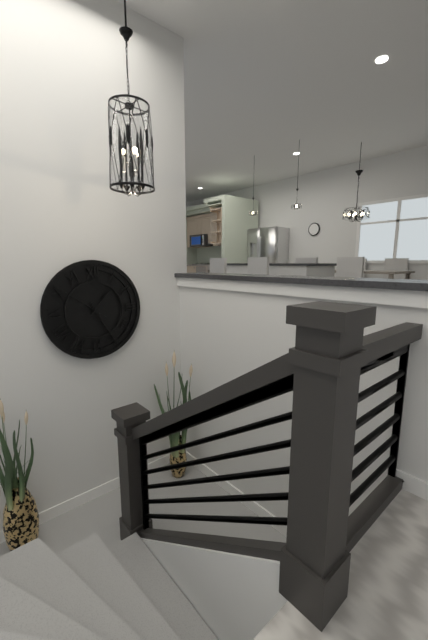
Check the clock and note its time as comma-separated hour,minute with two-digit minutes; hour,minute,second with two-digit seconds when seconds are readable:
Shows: 1,25,51
